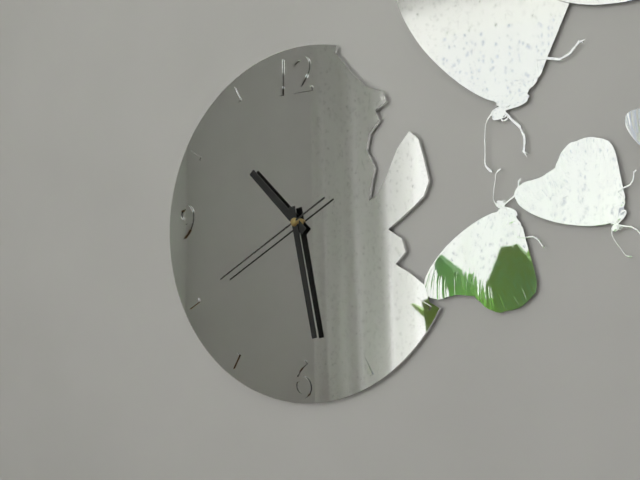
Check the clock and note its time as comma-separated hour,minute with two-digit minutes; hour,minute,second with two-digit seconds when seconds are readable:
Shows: 10,28,40
